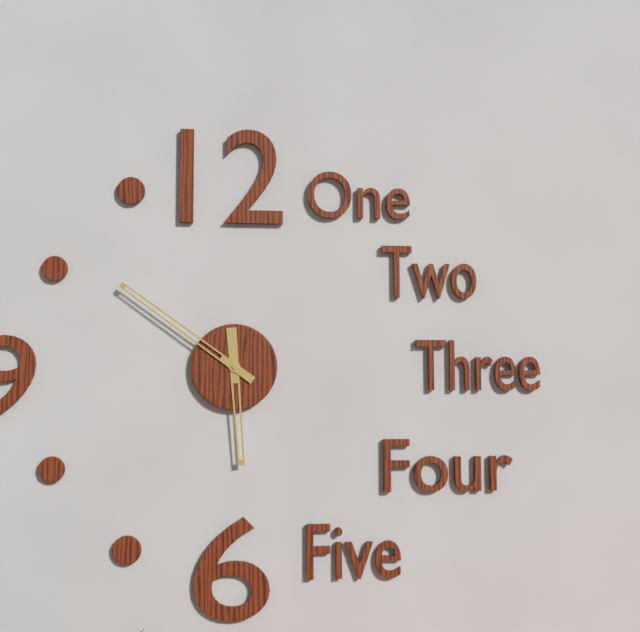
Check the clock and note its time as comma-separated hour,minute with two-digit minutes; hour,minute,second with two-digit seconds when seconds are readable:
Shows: 5,51
